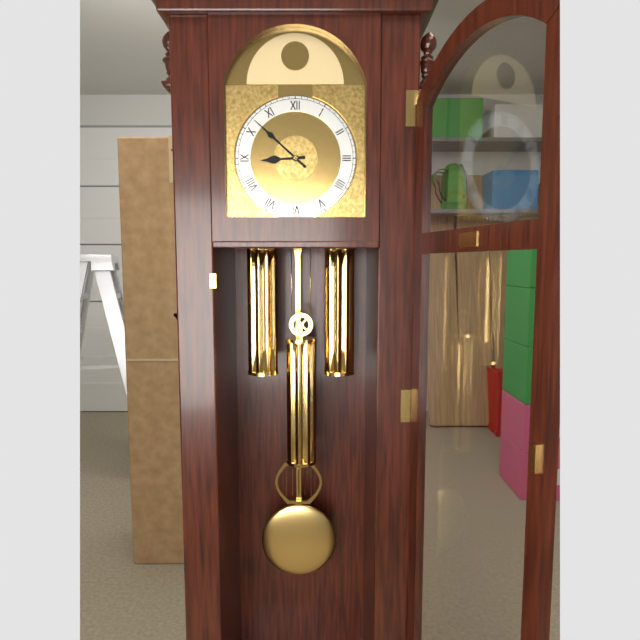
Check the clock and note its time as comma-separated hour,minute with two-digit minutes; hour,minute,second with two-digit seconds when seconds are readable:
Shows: 8,52
